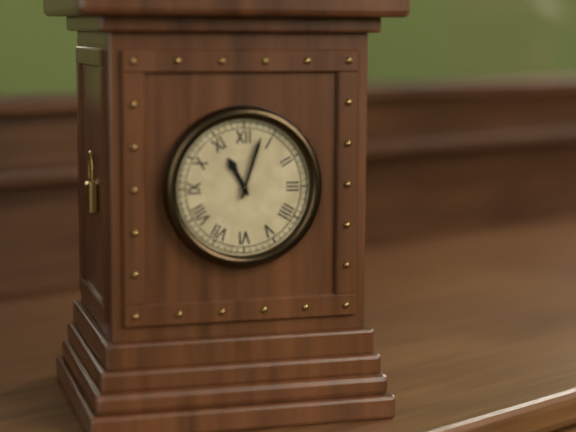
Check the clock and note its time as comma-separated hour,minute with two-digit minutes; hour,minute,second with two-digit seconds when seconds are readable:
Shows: 11,03
